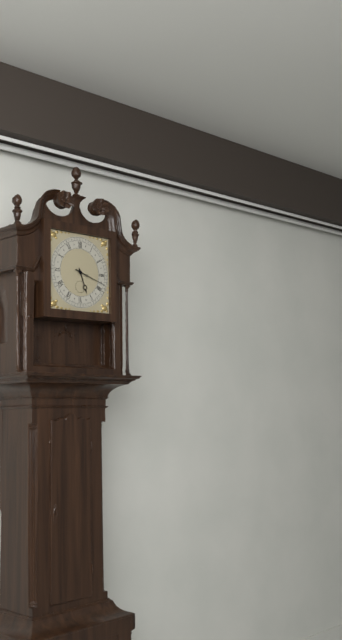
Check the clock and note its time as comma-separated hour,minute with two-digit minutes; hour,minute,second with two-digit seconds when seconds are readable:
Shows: 5,18
